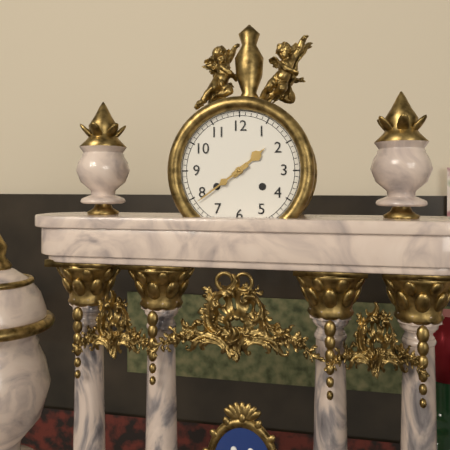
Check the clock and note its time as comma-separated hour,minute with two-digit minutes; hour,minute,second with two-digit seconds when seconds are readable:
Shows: 1,39
